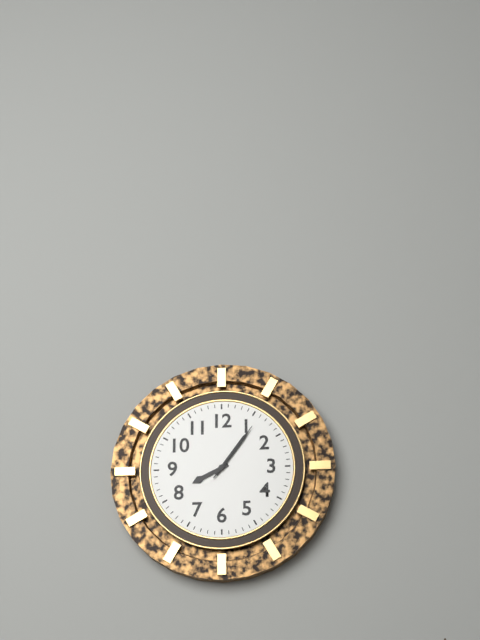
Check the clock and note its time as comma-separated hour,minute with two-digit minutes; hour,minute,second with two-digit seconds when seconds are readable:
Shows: 8,06,06
